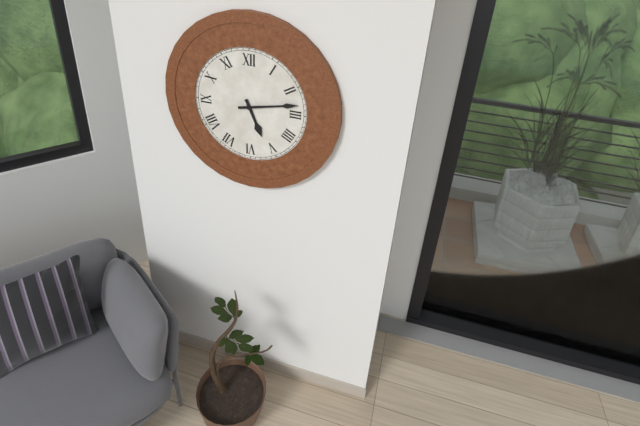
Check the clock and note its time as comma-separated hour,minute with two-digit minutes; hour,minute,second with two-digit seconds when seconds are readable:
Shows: 5,13
